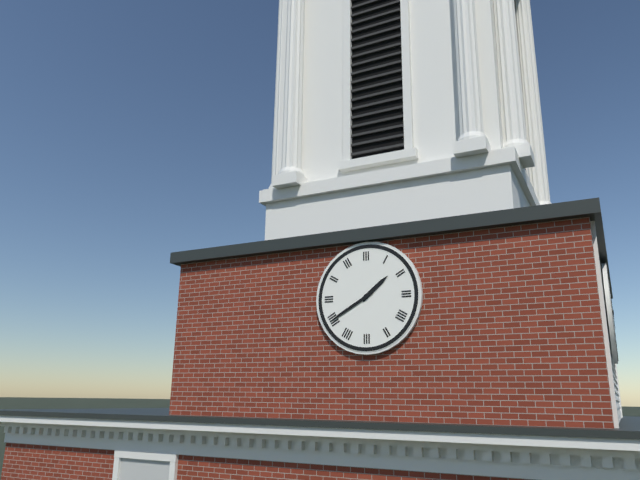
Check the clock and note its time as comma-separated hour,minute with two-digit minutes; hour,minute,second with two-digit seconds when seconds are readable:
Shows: 1,40
